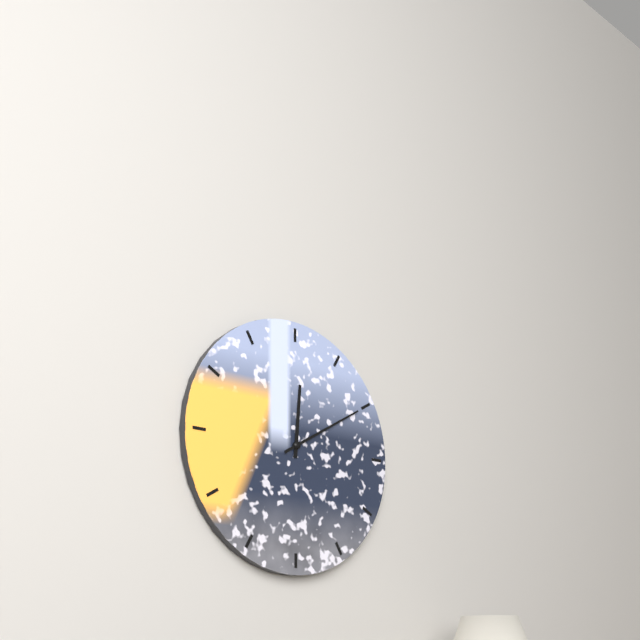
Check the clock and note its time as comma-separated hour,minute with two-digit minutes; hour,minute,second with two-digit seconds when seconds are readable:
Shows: 12,10
